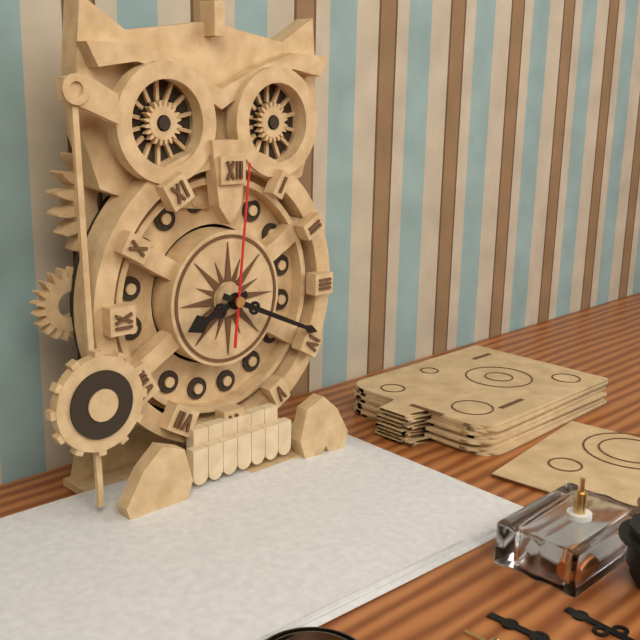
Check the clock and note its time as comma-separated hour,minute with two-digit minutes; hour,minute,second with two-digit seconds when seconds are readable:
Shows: 8,19,01
